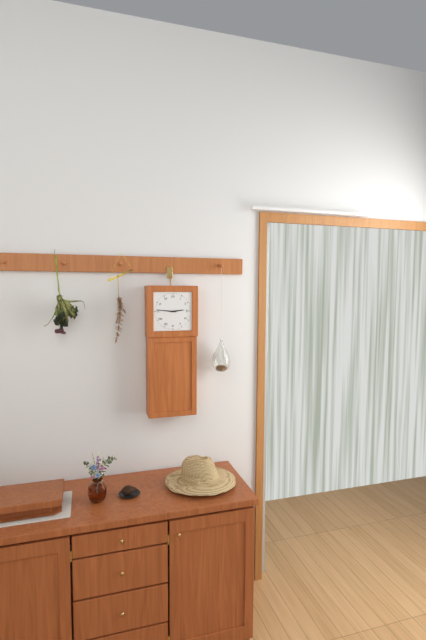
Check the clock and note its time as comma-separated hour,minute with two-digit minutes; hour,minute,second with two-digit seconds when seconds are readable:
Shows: 2,46
